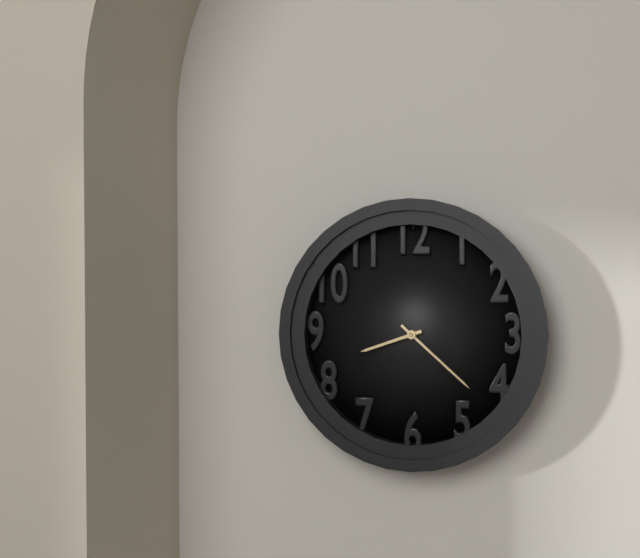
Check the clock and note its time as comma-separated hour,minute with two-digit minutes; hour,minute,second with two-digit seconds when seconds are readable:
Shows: 8,22
